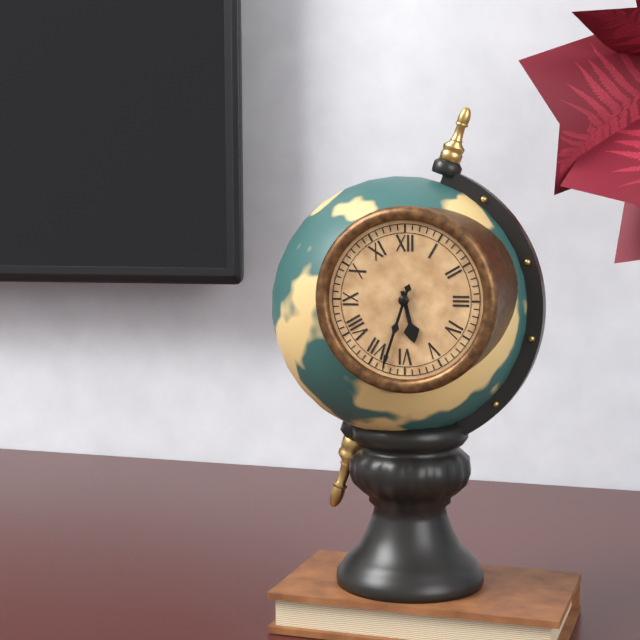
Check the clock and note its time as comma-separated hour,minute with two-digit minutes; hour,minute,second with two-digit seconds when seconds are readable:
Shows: 5,33
